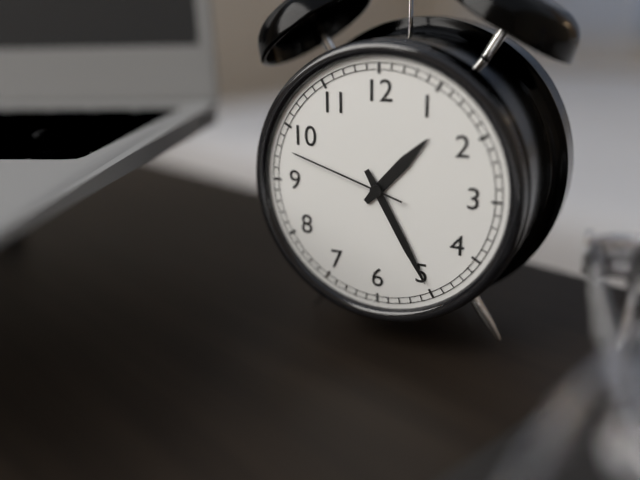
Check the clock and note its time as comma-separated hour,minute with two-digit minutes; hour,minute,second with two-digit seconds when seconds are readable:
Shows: 1,25,48
